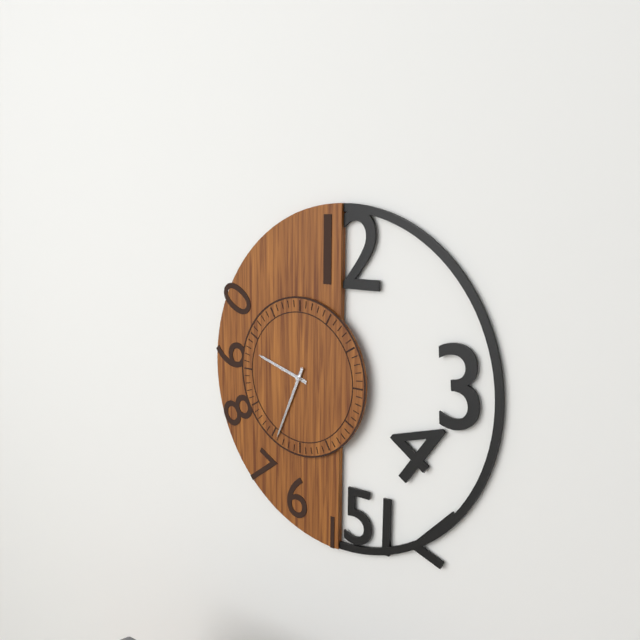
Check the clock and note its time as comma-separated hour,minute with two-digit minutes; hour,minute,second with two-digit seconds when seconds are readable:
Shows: 9,34
